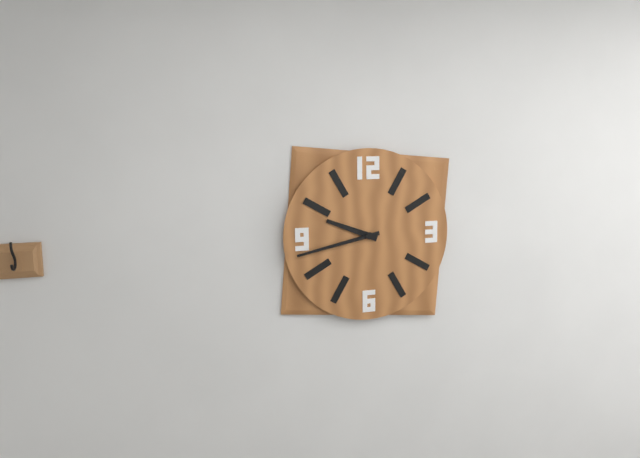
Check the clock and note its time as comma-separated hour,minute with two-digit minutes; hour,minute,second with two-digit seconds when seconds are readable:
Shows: 9,43
